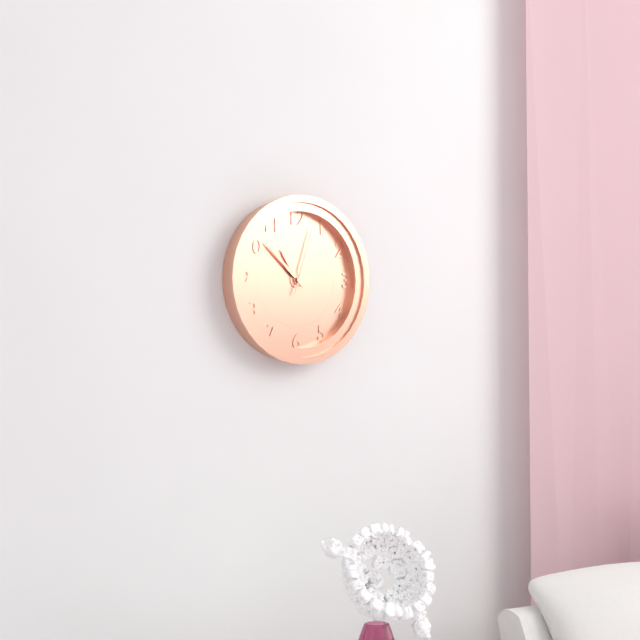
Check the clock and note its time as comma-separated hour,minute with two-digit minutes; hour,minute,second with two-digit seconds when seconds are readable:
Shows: 10,52,03
